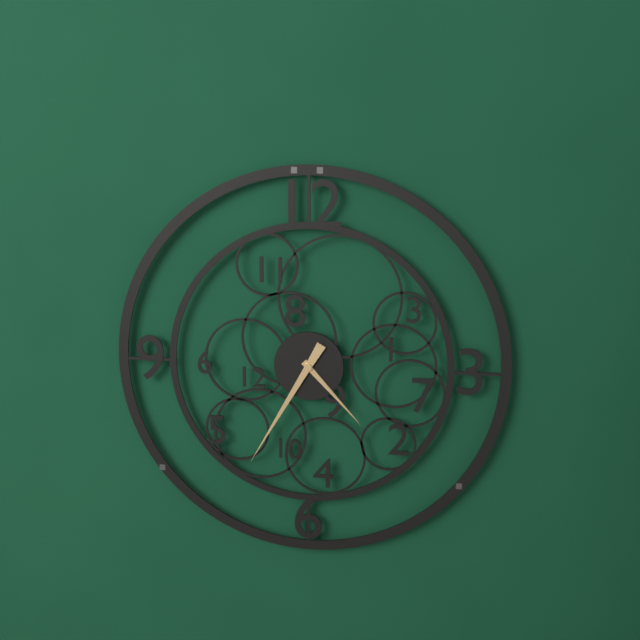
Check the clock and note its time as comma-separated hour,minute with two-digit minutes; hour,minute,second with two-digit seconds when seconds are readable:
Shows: 4,35
